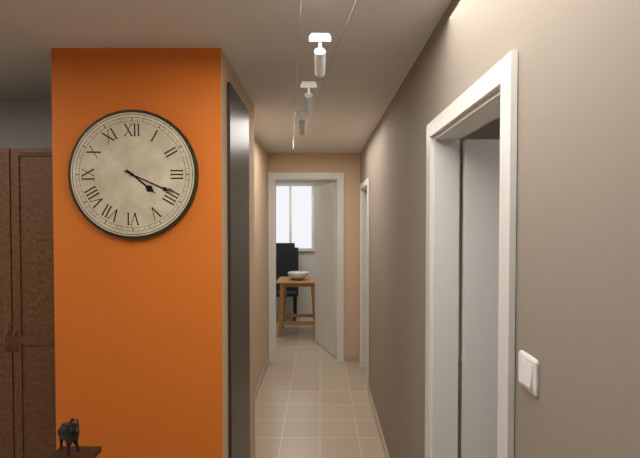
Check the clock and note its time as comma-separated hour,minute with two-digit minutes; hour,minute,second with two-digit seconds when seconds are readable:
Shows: 4,19
